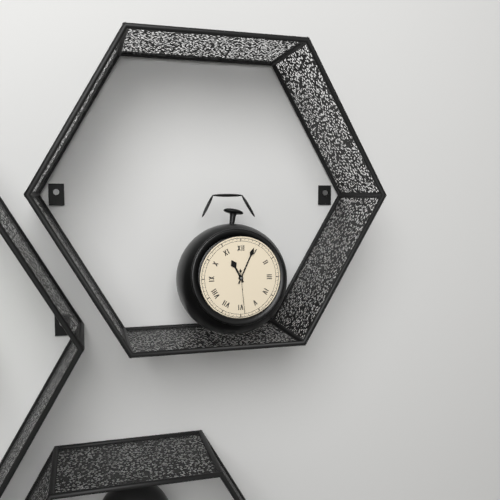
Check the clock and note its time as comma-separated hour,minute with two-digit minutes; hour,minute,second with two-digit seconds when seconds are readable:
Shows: 11,04
